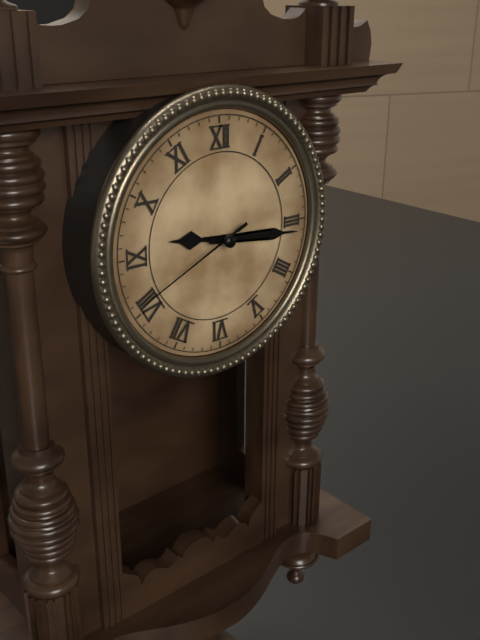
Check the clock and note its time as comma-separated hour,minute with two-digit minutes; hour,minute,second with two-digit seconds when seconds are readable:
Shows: 9,16,41
